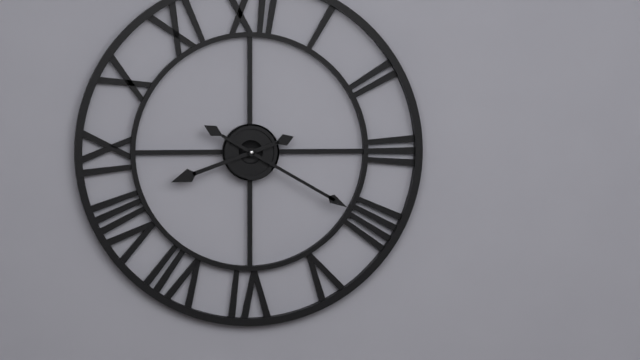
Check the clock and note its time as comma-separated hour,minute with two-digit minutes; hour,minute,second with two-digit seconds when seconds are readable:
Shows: 8,20
